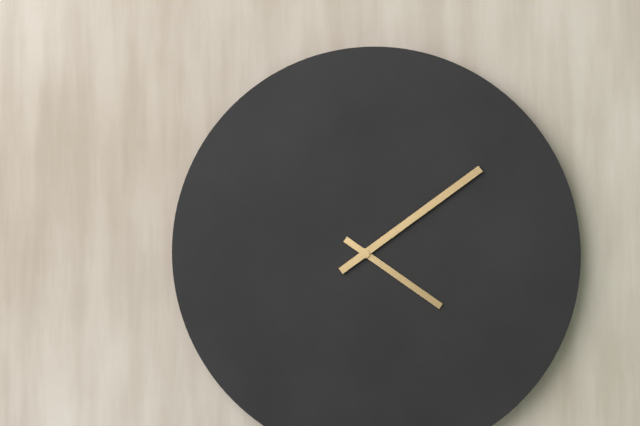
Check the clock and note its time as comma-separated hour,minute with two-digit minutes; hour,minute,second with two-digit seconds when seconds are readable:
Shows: 4,09
